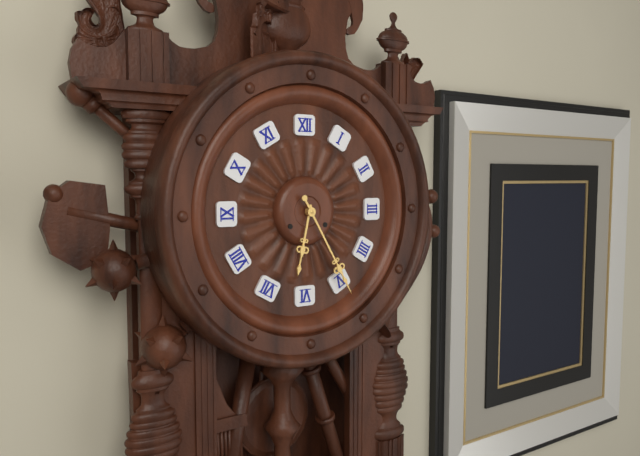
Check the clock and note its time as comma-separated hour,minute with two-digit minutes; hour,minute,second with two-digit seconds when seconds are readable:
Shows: 6,25
